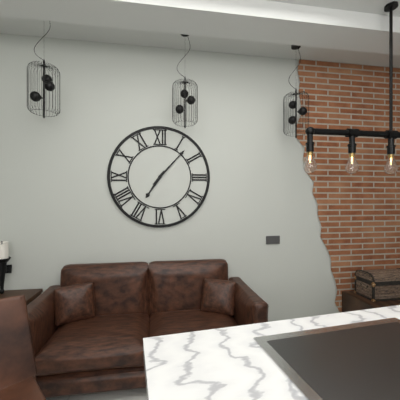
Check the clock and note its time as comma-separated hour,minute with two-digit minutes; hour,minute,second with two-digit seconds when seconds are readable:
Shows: 7,07
